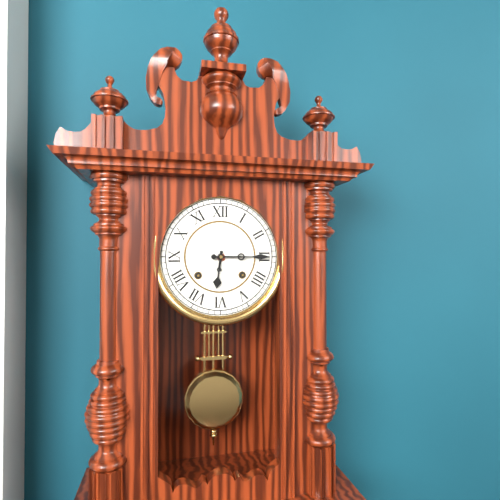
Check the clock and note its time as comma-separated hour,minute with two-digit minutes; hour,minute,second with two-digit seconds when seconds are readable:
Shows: 6,15
